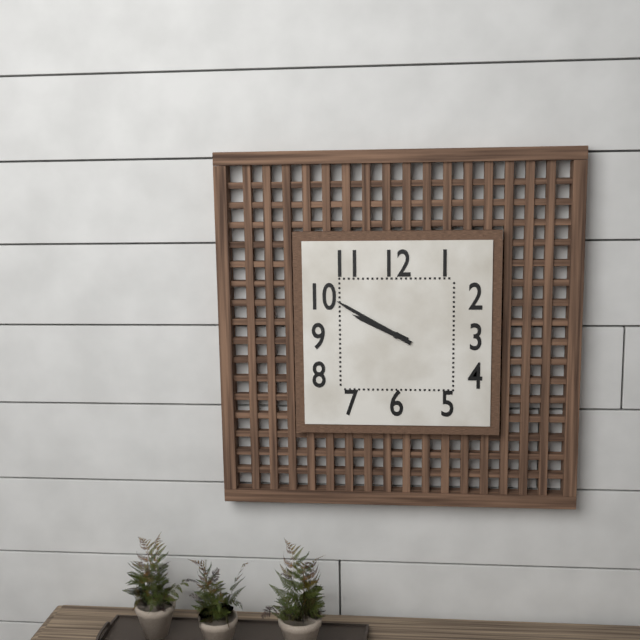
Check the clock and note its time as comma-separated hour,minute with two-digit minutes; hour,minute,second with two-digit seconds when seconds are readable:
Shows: 9,50
